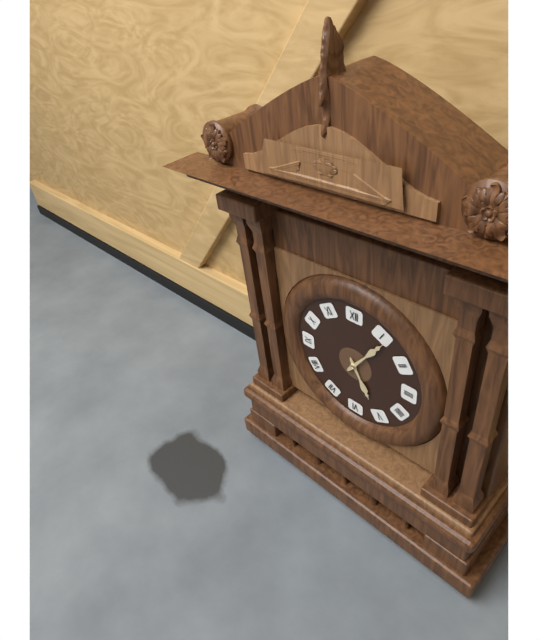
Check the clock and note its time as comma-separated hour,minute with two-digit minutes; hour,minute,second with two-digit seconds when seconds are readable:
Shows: 5,06
